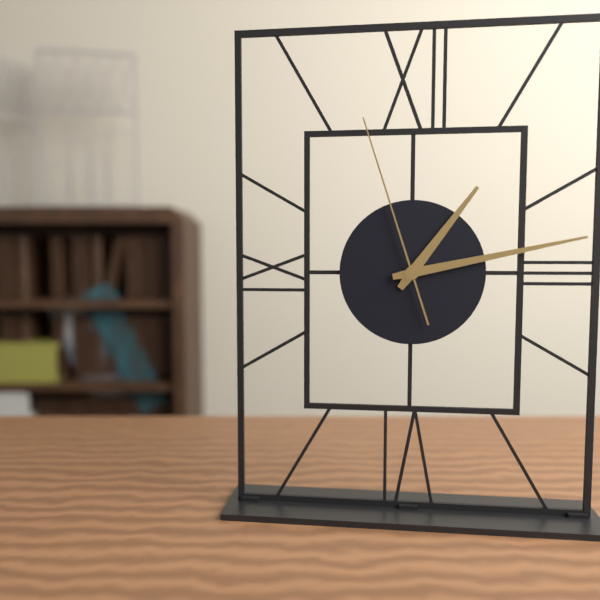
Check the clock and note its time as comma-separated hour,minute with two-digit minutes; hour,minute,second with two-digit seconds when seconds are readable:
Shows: 1,13,57
